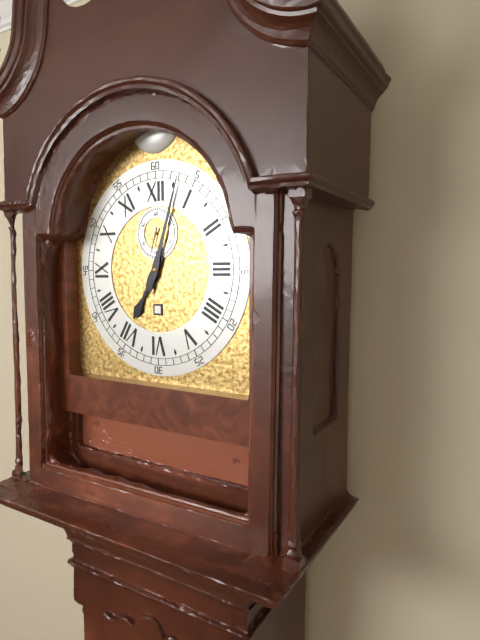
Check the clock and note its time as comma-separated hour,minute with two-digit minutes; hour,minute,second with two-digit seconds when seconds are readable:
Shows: 7,03
